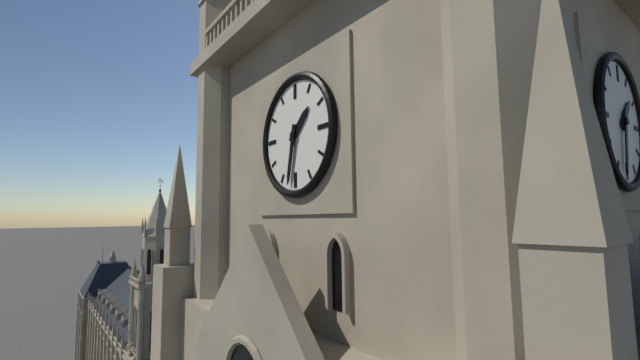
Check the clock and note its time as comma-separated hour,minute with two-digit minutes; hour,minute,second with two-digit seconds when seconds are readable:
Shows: 1,32
